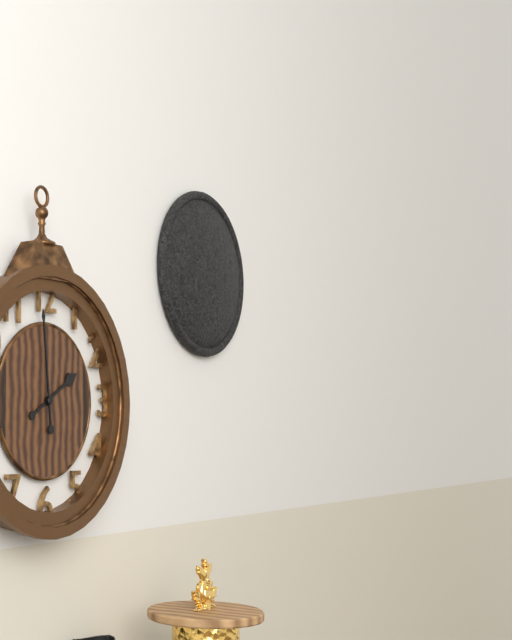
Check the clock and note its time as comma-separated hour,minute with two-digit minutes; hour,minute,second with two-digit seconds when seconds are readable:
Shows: 1,59
